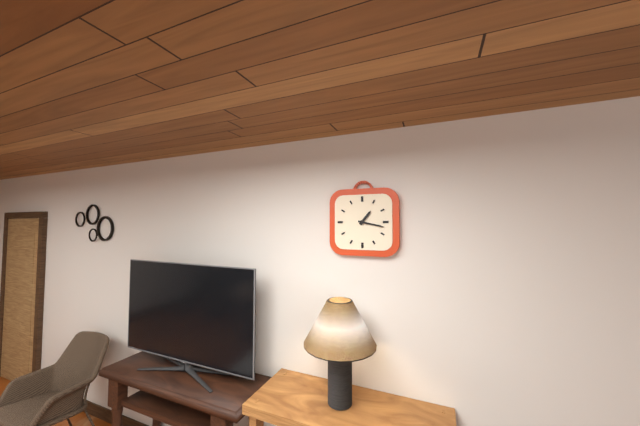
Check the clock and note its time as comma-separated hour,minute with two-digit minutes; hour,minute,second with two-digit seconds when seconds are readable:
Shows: 1,17
